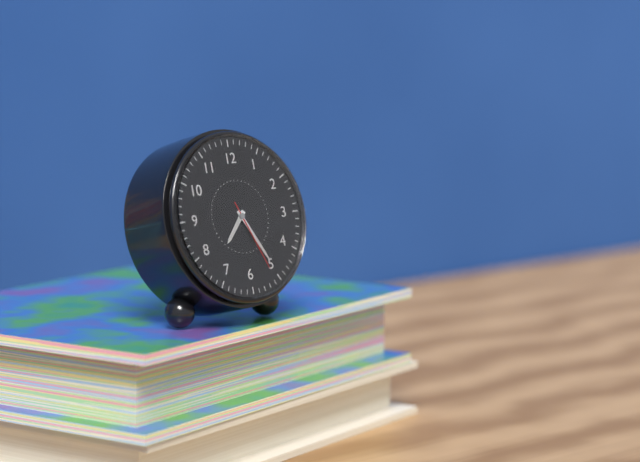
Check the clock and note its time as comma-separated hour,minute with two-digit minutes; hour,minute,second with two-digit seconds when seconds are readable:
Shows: 7,25,26
